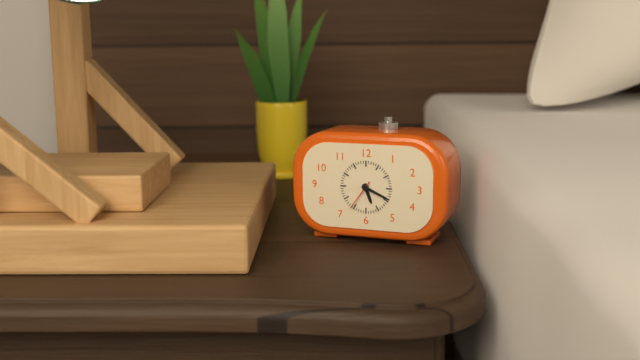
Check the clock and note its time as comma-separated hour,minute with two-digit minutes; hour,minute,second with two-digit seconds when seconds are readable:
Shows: 5,19
